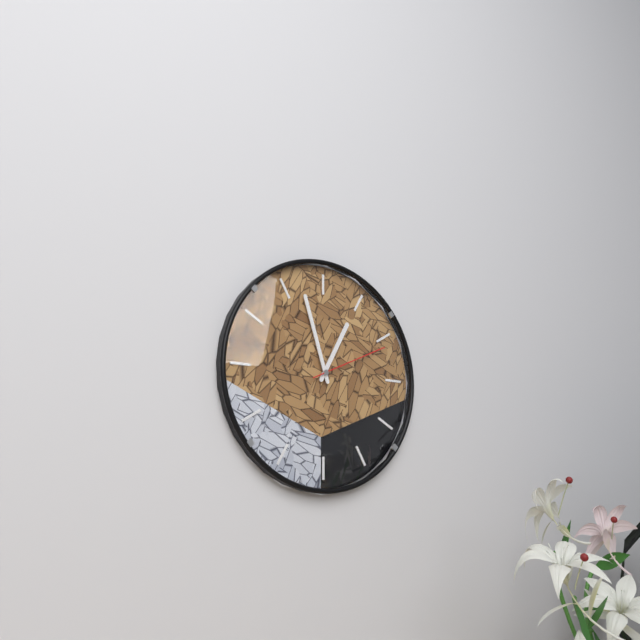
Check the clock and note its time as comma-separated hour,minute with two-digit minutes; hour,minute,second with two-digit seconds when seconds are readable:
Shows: 12,57,11
